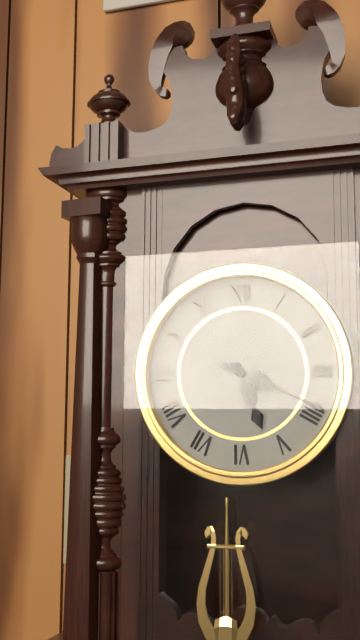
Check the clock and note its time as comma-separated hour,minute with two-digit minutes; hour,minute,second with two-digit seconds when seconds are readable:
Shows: 5,19
